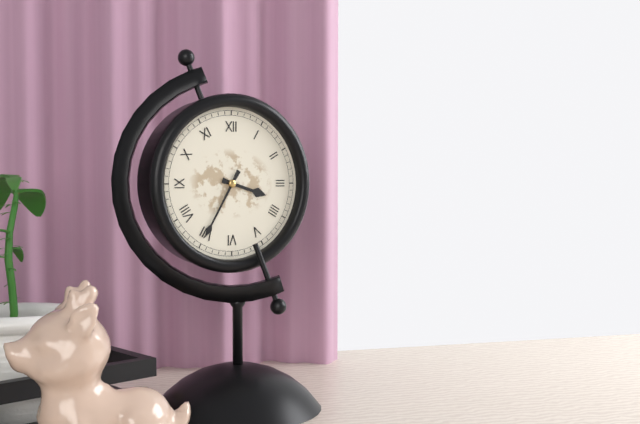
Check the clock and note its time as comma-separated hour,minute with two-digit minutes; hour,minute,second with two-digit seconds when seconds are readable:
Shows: 3,35
